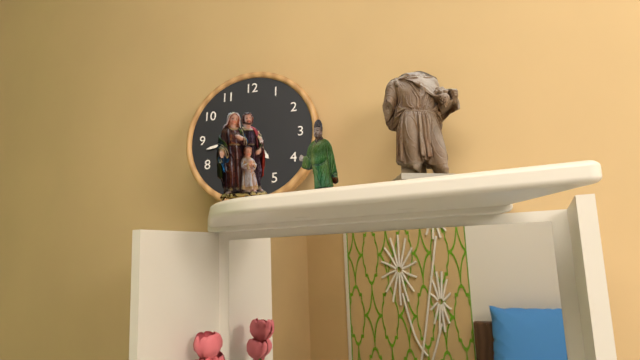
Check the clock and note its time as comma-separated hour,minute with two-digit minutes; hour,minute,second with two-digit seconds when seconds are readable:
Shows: 4,43
